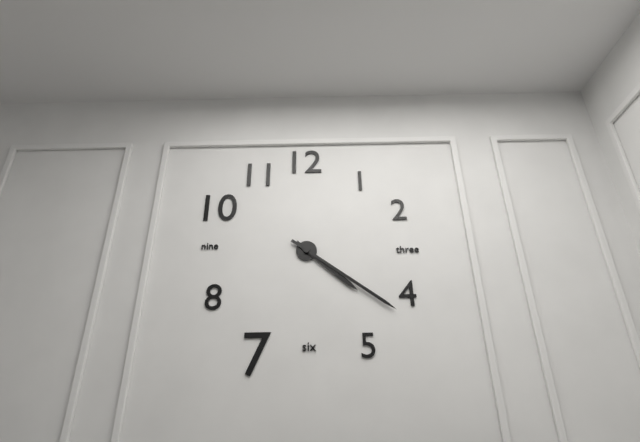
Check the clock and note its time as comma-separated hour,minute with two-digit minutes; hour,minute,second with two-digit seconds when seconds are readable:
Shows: 4,21
